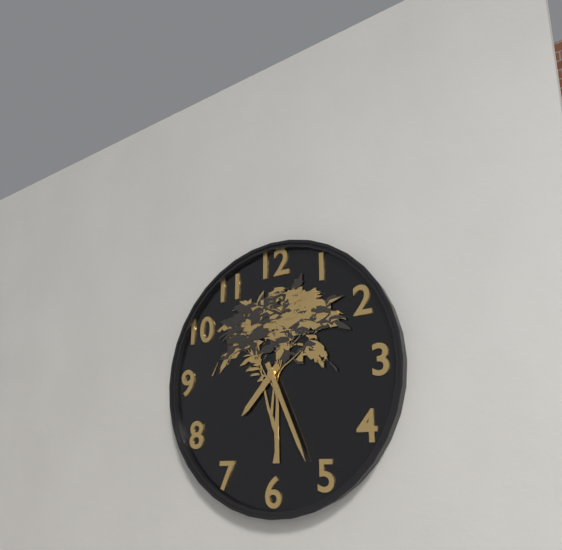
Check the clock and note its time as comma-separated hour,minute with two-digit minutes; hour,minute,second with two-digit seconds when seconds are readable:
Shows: 7,26
